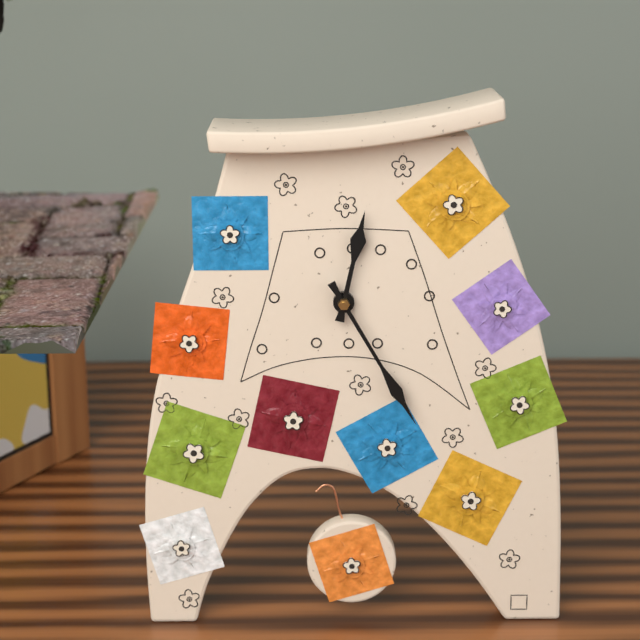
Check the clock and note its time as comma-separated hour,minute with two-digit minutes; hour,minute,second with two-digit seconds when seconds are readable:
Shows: 12,25
